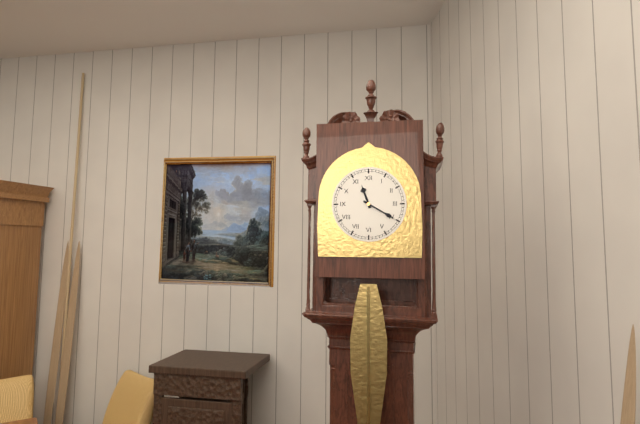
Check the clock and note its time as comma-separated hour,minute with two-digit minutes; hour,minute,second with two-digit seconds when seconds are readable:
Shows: 11,20
